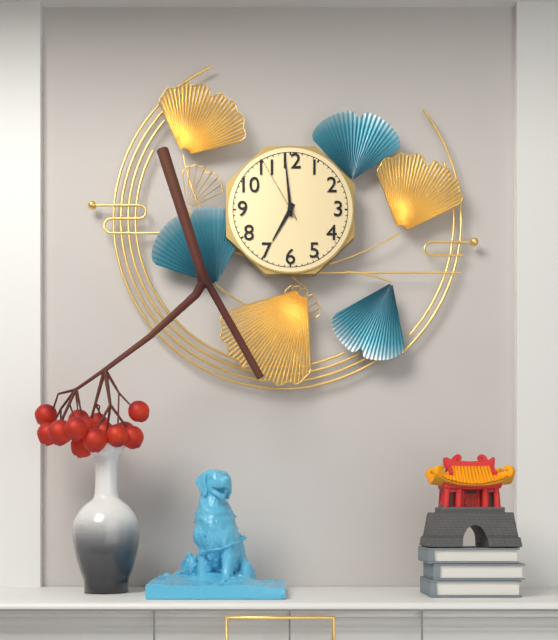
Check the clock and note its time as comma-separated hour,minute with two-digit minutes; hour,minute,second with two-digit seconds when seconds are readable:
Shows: 6,59,55
